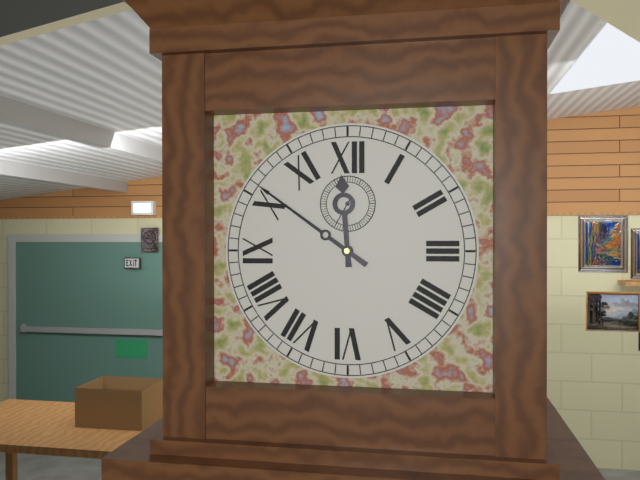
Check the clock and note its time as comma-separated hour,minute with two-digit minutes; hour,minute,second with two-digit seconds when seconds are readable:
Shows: 11,51
